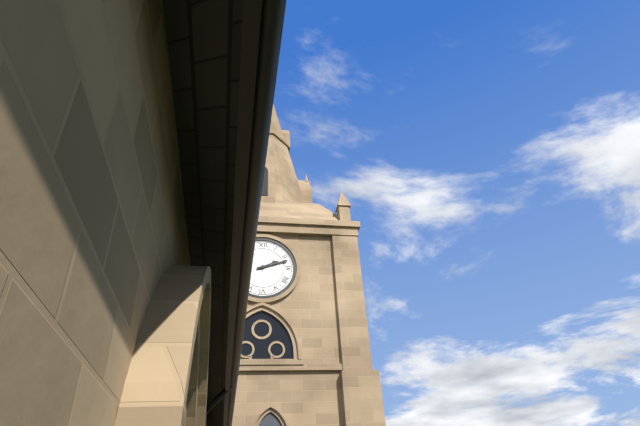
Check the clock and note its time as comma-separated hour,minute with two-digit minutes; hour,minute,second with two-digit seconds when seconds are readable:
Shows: 2,12
